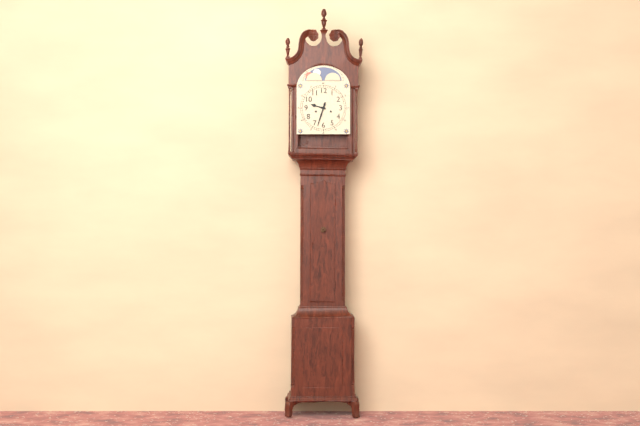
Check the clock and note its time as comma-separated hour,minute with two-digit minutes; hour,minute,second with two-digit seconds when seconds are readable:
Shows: 9,33
